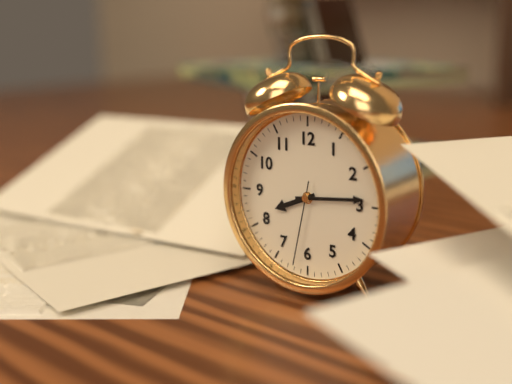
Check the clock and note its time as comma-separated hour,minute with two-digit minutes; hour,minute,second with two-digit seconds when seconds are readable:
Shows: 8,14,32
